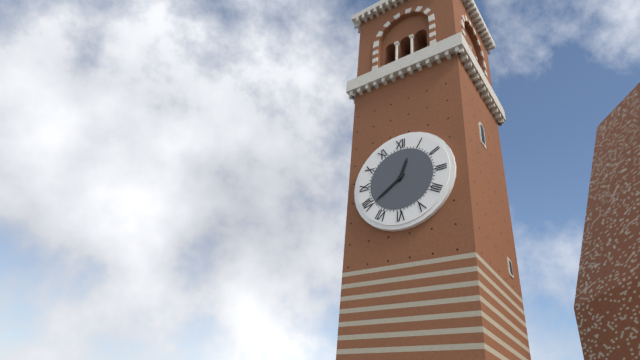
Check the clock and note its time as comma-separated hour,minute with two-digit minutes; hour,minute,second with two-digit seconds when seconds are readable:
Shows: 12,39
